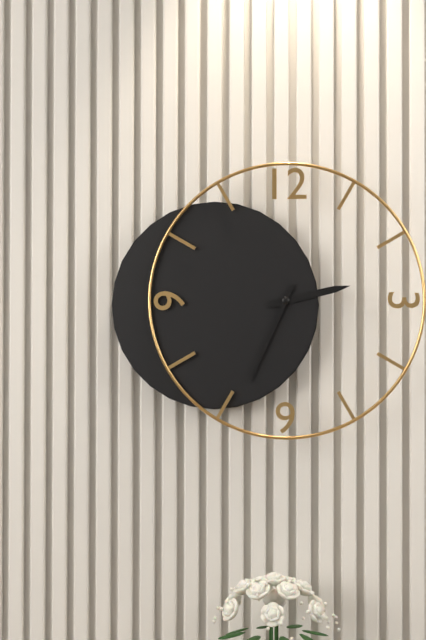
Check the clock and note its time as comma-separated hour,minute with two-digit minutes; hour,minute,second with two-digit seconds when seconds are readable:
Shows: 2,34
